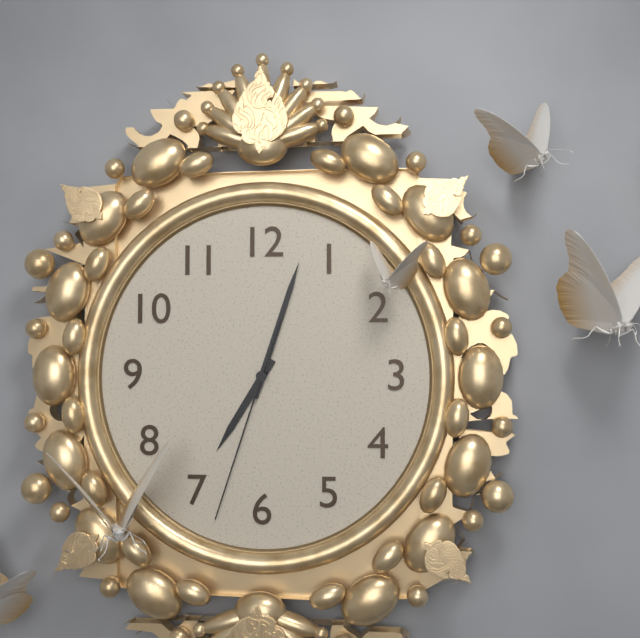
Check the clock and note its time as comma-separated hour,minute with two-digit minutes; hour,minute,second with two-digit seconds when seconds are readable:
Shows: 7,03,33
